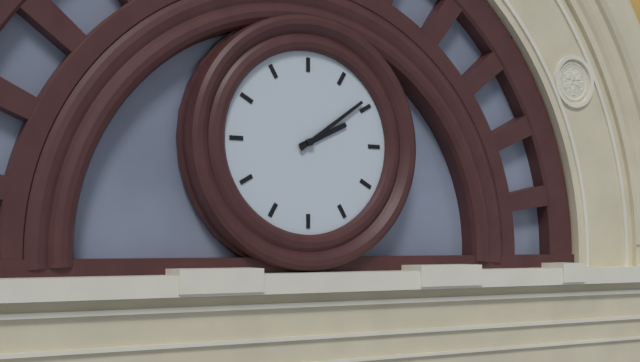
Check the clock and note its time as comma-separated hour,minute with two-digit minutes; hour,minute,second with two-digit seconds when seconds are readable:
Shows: 2,09
